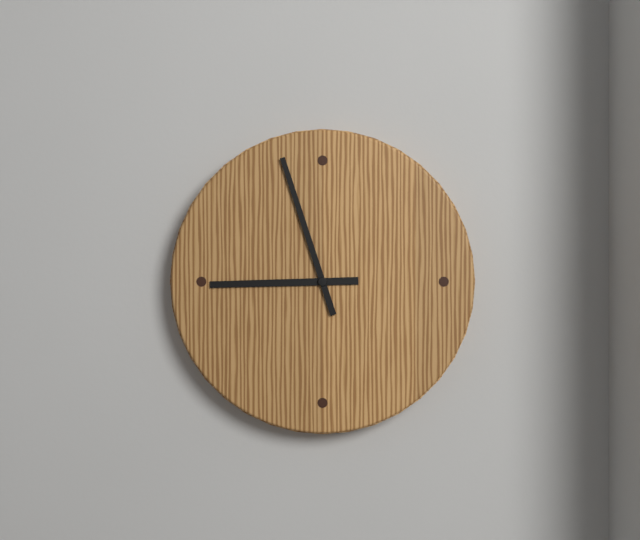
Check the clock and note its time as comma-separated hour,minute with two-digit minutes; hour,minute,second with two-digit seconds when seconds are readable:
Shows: 8,57
